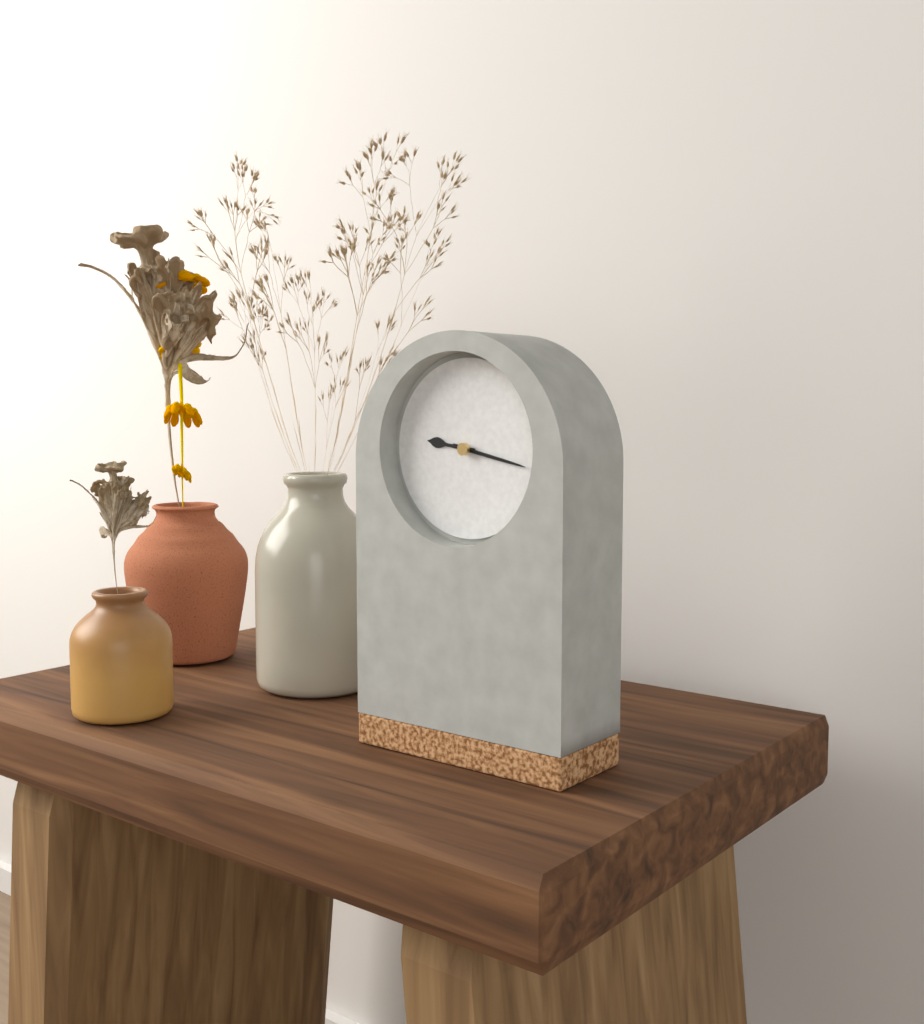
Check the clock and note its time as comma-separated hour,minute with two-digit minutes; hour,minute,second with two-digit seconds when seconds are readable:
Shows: 9,17
